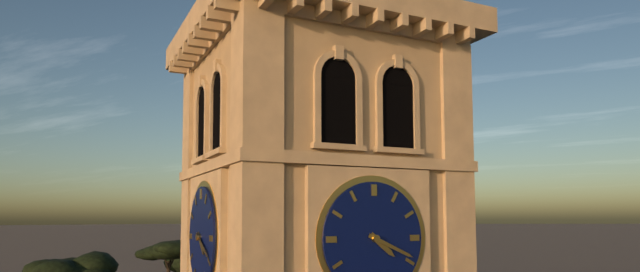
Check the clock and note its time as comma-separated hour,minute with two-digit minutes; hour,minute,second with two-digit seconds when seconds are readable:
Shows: 4,19
